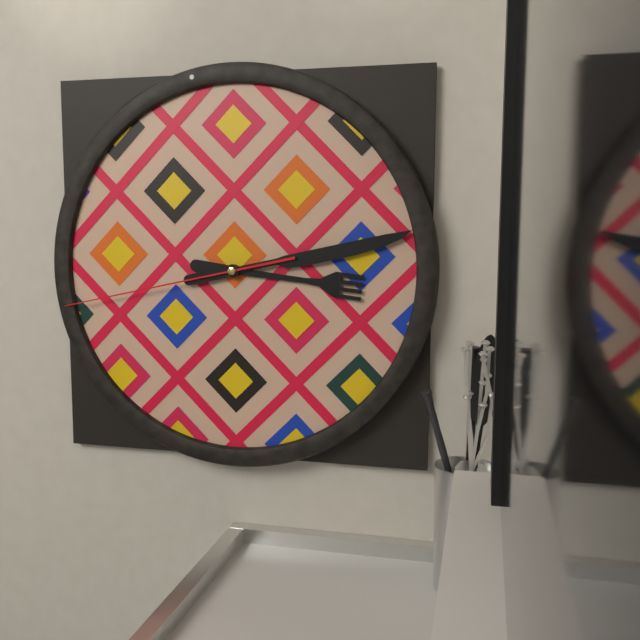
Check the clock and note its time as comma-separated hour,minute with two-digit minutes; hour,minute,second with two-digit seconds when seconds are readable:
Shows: 3,13,43
